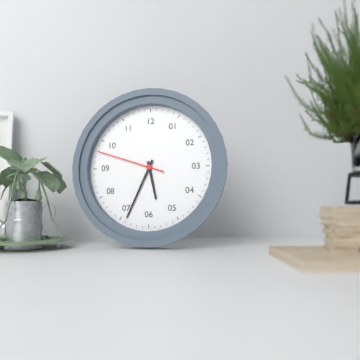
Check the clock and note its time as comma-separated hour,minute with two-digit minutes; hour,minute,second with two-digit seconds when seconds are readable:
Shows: 5,34,48
